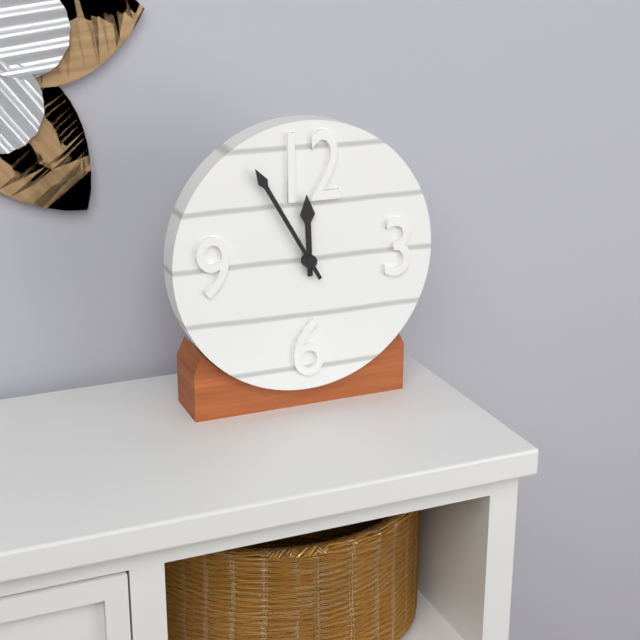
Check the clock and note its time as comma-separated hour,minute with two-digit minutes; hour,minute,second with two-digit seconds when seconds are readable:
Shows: 11,55
